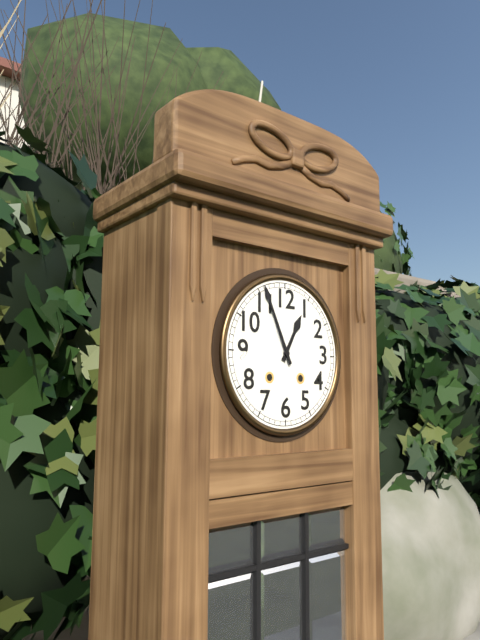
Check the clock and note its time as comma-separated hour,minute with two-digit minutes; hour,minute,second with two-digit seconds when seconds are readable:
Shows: 12,56
